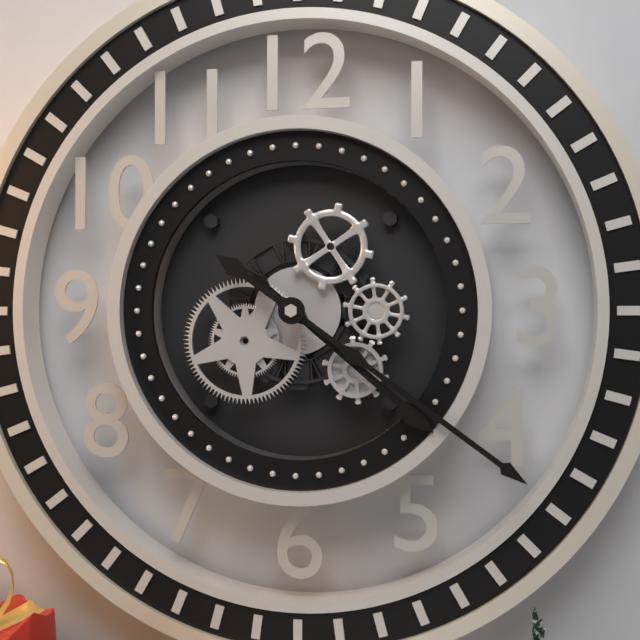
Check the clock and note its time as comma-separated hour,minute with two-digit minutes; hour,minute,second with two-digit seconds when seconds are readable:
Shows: 4,21
